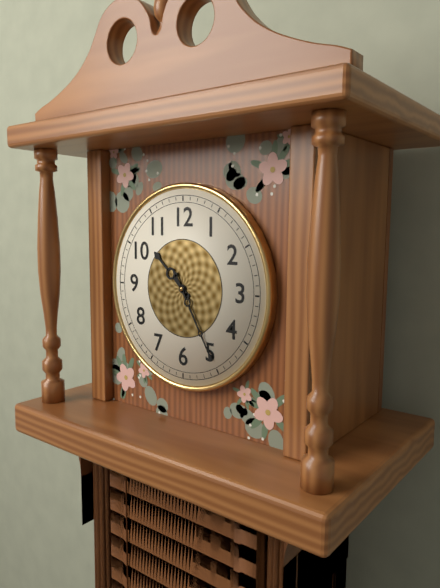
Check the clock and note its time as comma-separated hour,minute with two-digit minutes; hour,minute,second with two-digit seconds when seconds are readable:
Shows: 10,25
